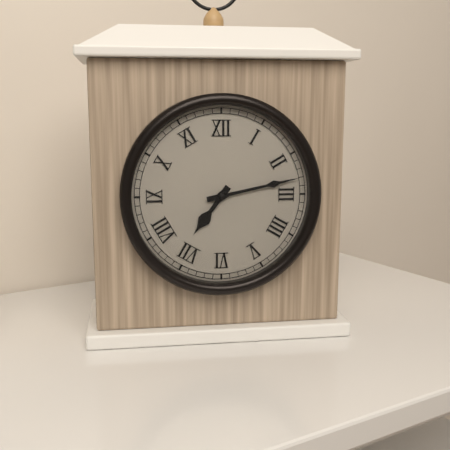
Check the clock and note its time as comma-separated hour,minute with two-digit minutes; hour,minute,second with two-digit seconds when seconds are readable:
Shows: 7,13
